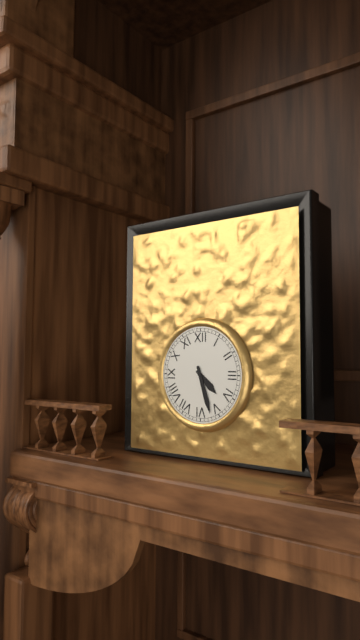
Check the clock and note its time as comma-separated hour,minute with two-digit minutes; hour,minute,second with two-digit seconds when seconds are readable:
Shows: 4,27
